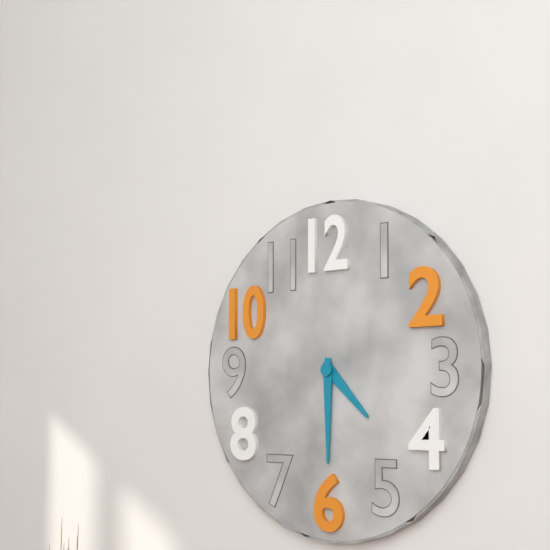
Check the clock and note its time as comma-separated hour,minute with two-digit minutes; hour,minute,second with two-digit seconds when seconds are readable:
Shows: 4,30
